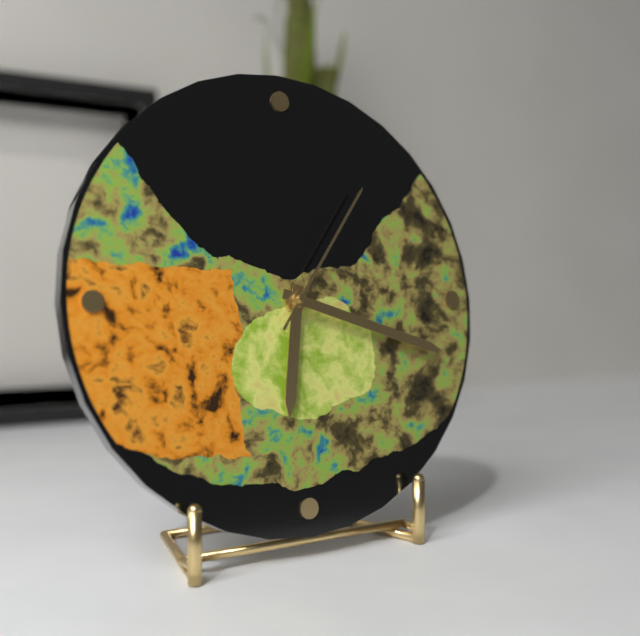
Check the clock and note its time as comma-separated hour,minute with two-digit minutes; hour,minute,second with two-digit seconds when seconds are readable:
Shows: 6,18,06
